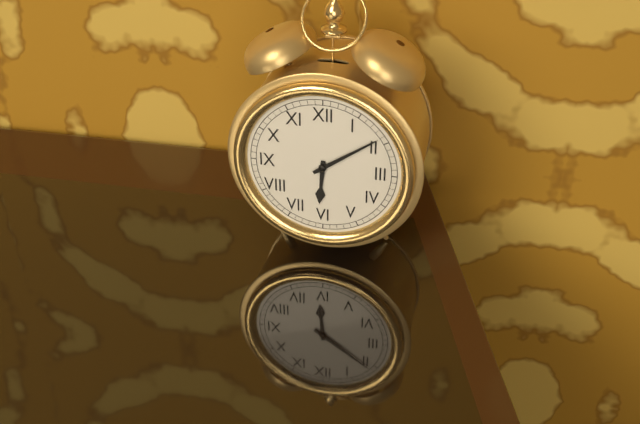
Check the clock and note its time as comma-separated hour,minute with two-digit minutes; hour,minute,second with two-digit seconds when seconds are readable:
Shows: 6,09
